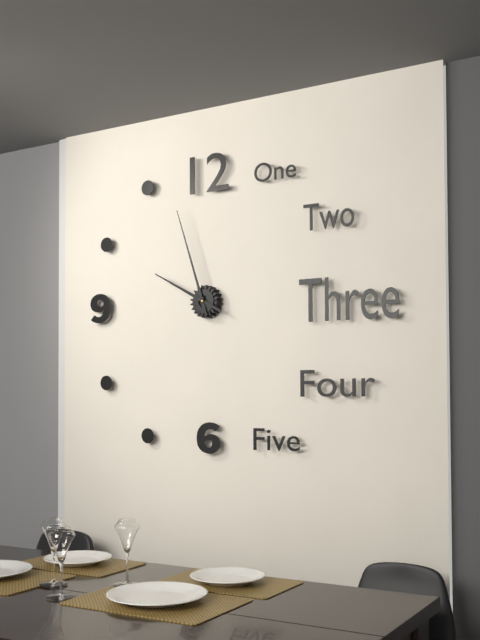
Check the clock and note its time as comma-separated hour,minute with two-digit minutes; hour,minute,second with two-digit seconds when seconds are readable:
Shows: 9,57
